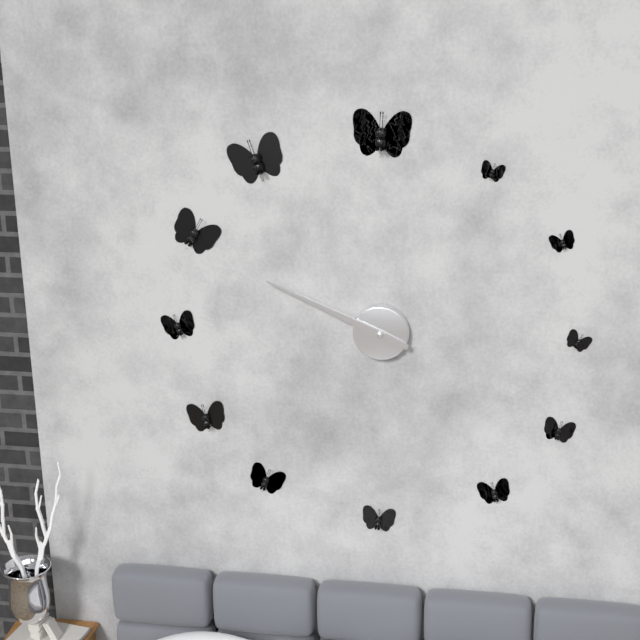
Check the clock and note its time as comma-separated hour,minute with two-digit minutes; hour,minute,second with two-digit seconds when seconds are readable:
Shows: 9,49
